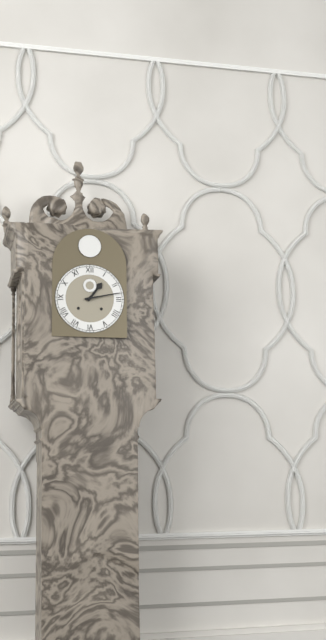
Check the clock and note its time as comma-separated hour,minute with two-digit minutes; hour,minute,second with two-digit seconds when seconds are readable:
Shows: 1,13
